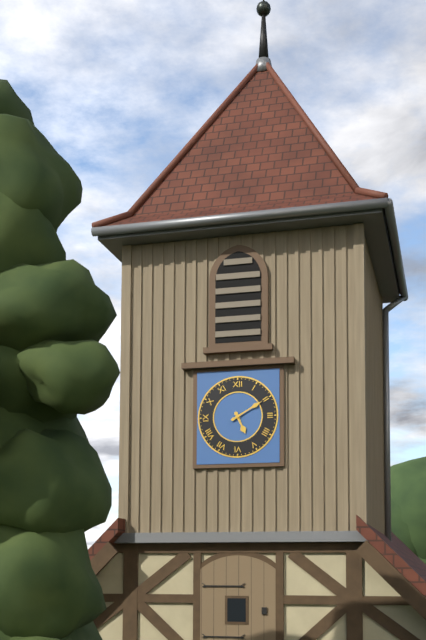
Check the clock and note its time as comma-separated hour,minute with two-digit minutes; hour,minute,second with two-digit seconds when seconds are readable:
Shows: 5,10
